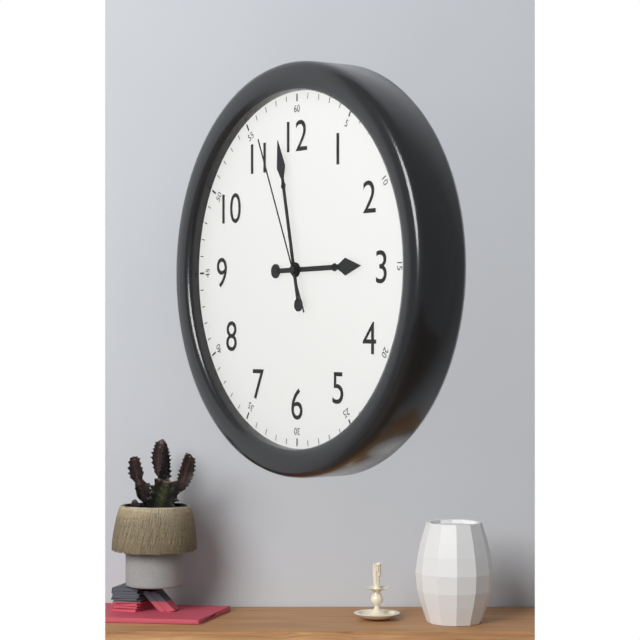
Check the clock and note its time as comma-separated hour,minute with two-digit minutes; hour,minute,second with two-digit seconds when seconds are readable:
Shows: 2,58,56
